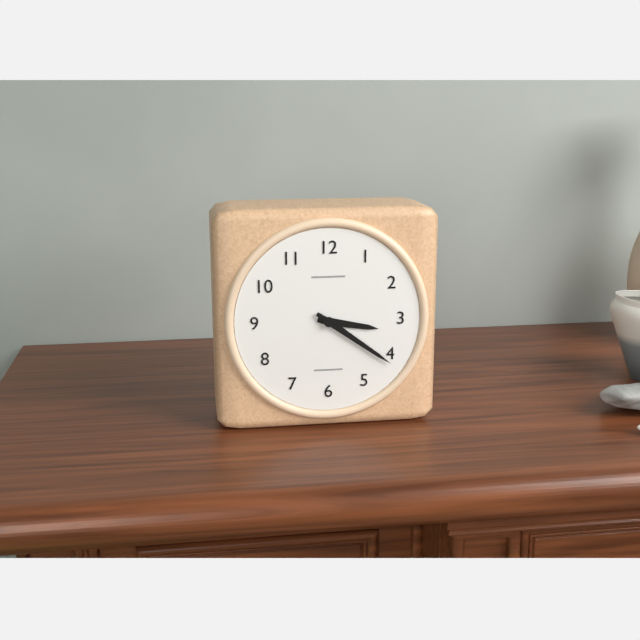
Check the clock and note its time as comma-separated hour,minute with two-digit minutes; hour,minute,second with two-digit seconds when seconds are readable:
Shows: 3,21
